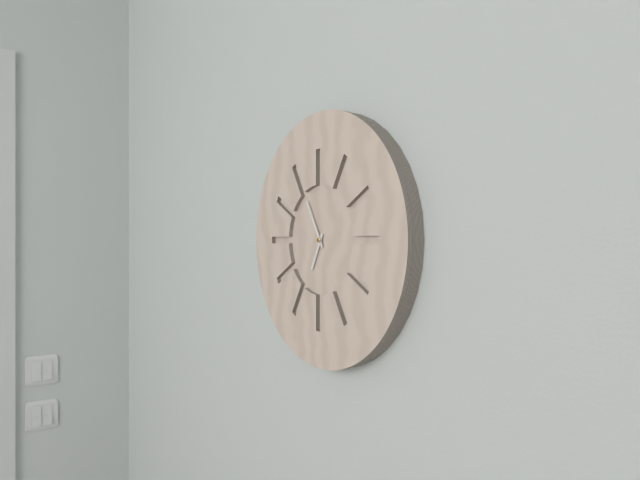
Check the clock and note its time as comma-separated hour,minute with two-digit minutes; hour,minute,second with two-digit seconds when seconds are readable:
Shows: 6,55
